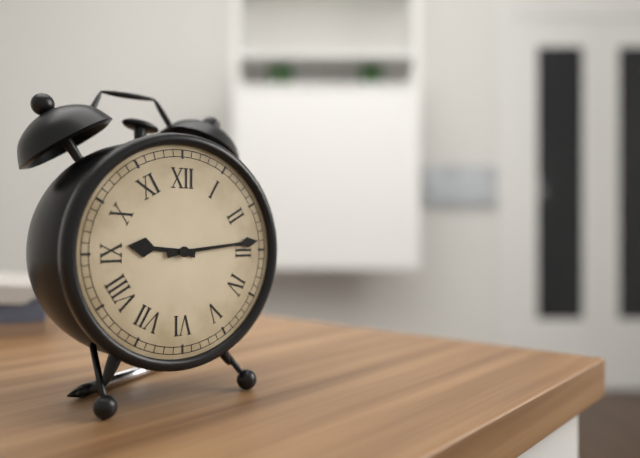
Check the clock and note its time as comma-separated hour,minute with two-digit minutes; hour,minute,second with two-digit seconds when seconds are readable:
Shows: 9,14
